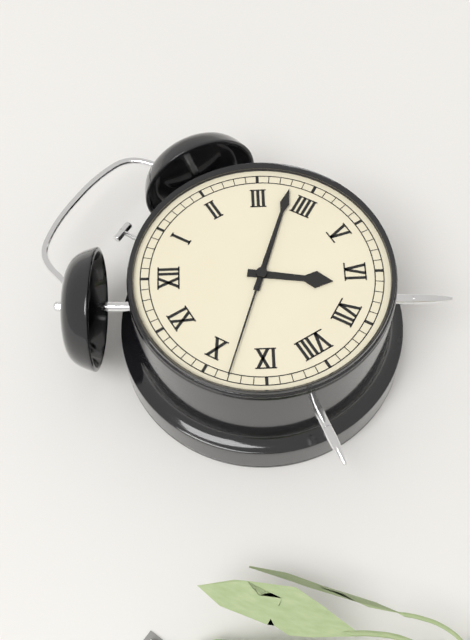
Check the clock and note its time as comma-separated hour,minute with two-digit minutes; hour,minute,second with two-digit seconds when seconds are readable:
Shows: 6,18,48
